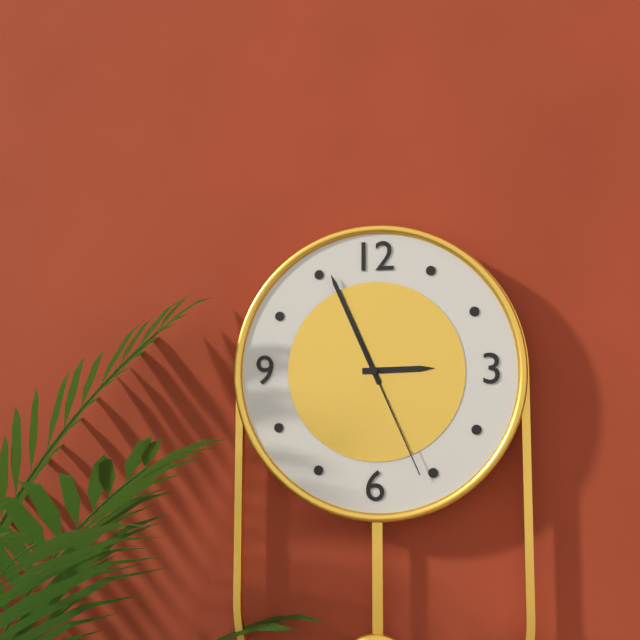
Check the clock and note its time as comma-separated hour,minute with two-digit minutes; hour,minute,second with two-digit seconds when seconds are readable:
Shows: 2,56,26
